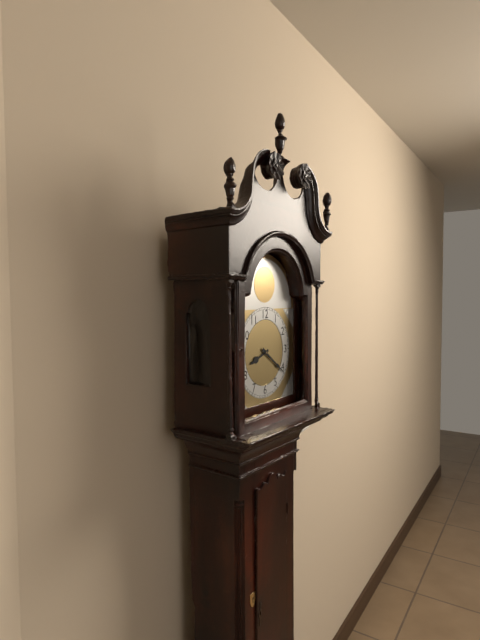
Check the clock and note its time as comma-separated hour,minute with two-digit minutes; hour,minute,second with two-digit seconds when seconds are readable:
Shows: 8,21
